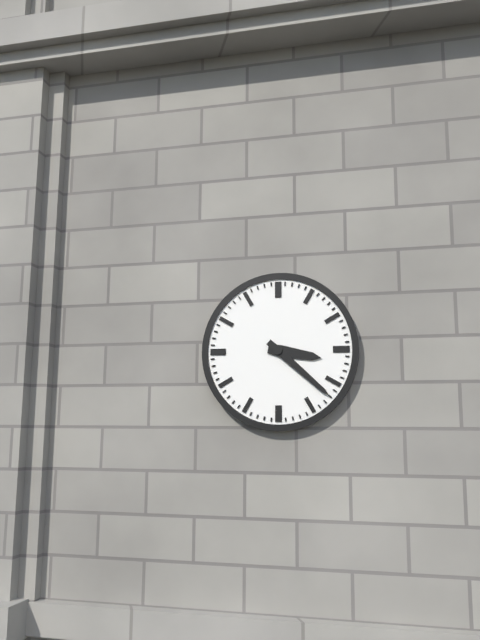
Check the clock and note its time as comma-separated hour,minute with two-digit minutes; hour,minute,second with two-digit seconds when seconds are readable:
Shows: 3,22
